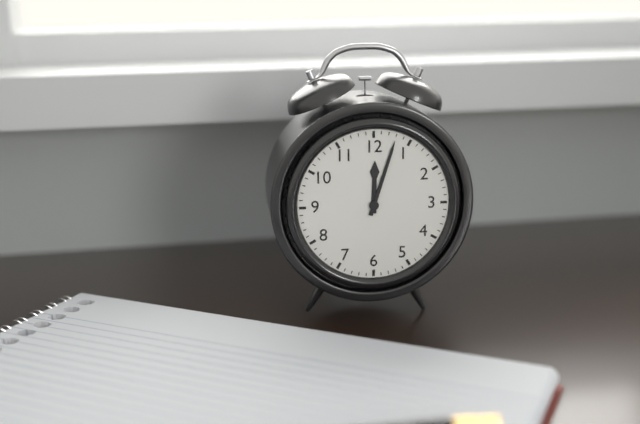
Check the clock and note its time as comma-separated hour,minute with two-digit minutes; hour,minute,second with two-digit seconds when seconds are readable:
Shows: 12,03
